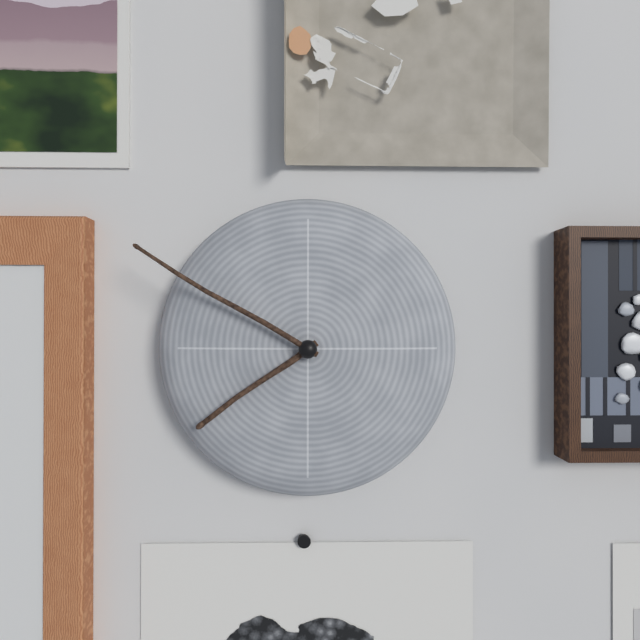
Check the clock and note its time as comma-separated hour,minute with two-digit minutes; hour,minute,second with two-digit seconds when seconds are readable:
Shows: 7,50
